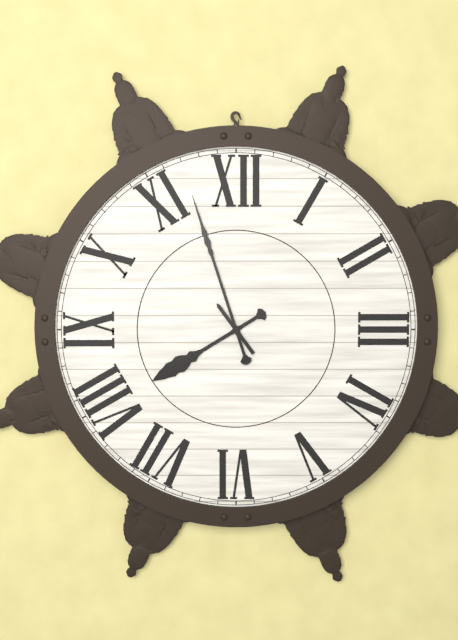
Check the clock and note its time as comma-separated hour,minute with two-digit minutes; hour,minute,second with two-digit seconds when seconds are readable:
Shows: 7,57
